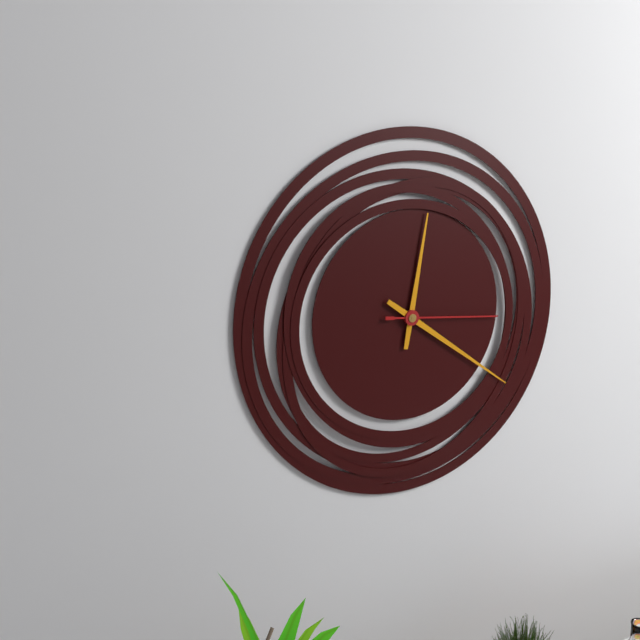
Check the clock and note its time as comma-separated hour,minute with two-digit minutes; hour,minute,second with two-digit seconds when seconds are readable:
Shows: 12,21,16
